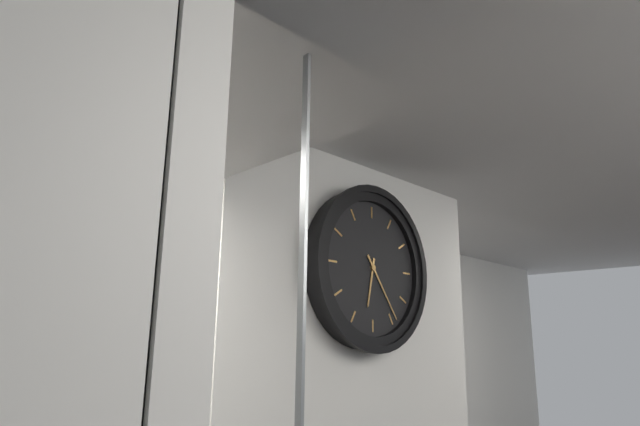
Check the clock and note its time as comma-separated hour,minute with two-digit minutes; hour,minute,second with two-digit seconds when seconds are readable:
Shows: 6,24
